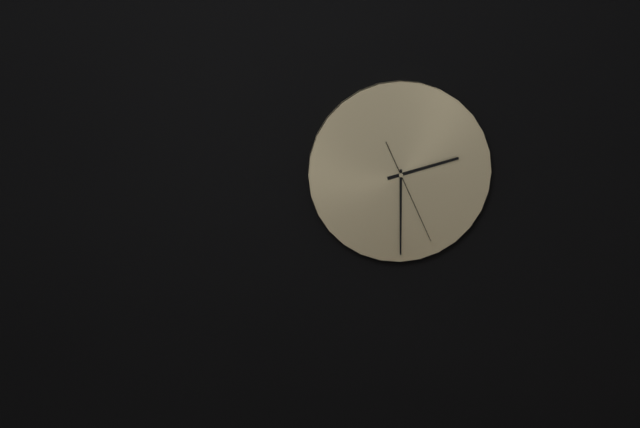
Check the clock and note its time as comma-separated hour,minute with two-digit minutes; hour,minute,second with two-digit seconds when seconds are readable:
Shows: 2,30,26
